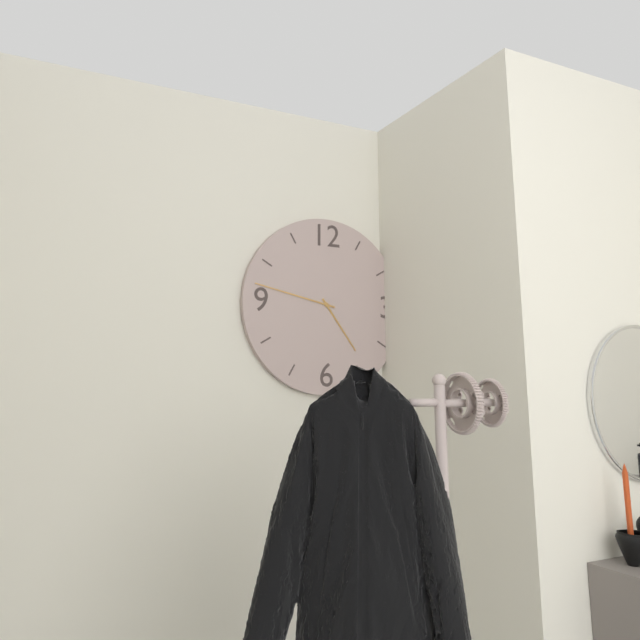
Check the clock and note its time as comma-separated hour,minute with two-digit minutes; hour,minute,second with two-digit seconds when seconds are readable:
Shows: 4,47
